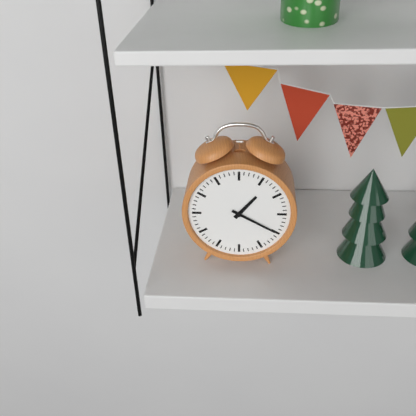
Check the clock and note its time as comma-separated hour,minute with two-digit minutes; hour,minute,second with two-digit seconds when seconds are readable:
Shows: 1,20
